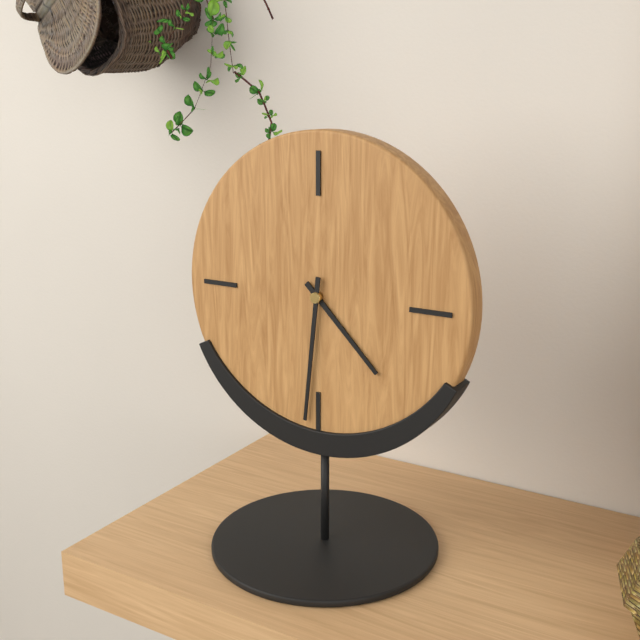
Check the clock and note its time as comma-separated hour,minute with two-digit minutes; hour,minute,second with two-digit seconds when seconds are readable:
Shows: 4,31
